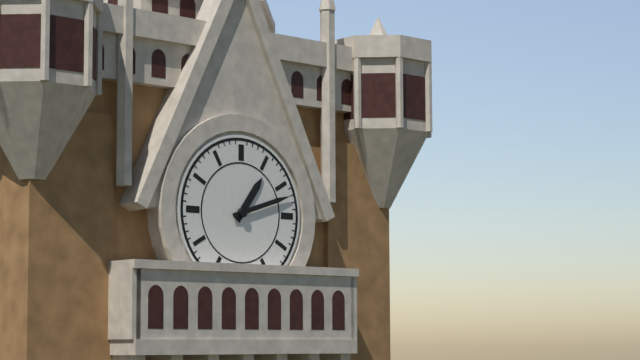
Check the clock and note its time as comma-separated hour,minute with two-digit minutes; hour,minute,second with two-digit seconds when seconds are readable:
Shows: 1,12
